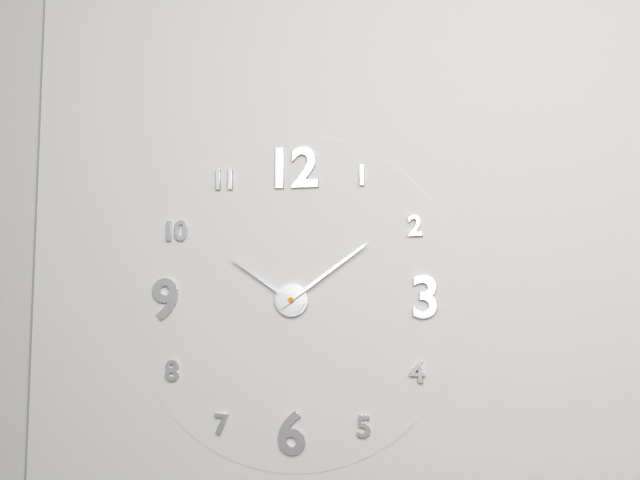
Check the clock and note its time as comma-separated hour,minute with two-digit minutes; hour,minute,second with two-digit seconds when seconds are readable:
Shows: 10,09
